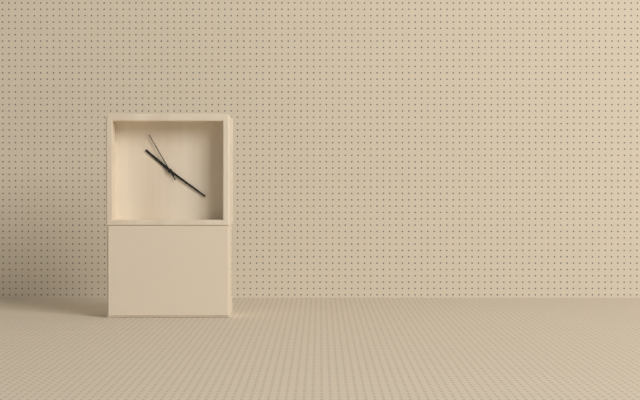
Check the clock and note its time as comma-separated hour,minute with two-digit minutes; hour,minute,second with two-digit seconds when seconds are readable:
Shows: 10,21,55
